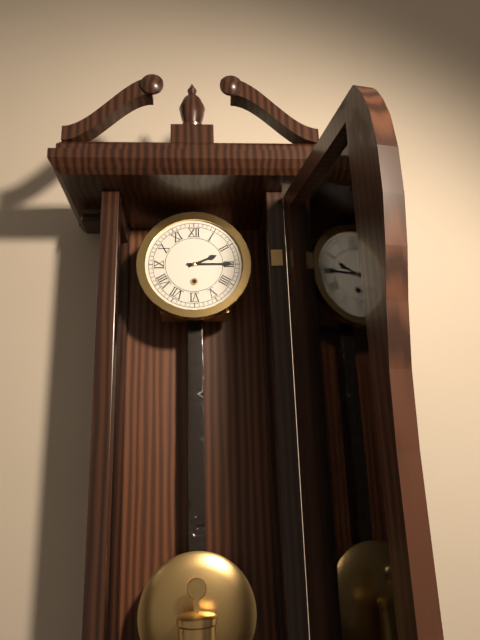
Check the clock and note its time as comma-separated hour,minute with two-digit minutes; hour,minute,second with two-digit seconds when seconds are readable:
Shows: 2,15
